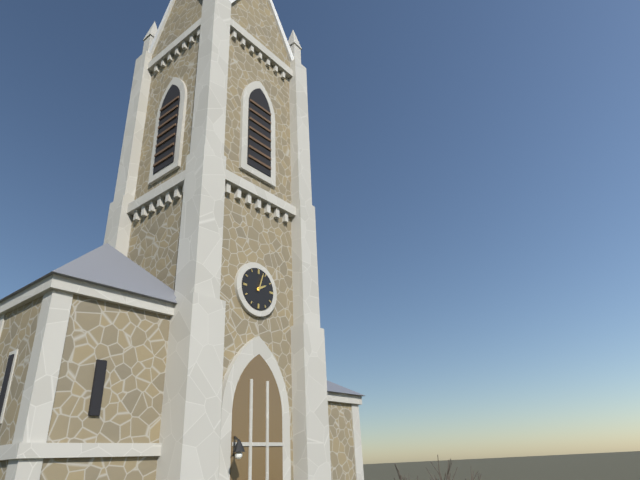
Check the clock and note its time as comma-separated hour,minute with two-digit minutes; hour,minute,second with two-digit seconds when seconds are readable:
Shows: 2,03
